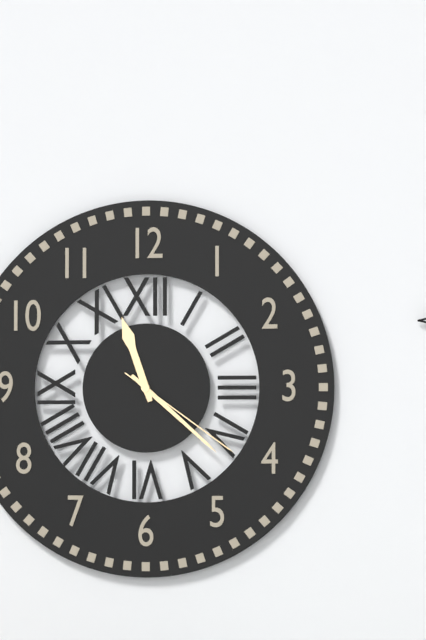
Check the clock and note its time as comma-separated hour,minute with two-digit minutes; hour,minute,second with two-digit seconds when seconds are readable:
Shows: 11,22,21
